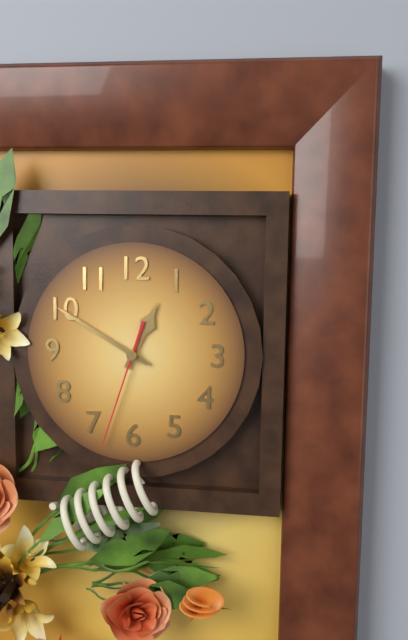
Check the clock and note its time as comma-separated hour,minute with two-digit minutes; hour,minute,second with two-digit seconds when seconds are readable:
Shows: 12,50,33
